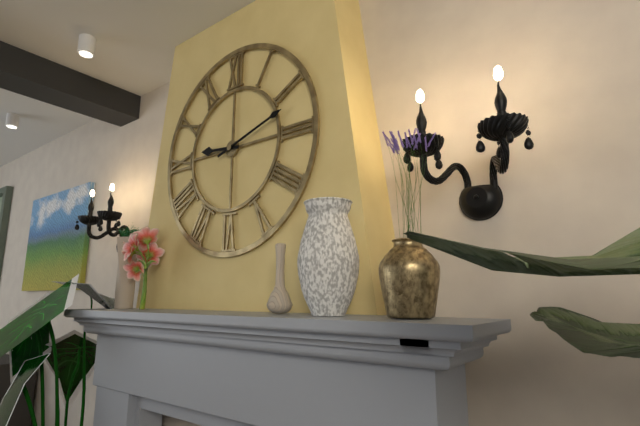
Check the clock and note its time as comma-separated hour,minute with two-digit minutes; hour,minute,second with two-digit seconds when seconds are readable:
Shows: 9,12
